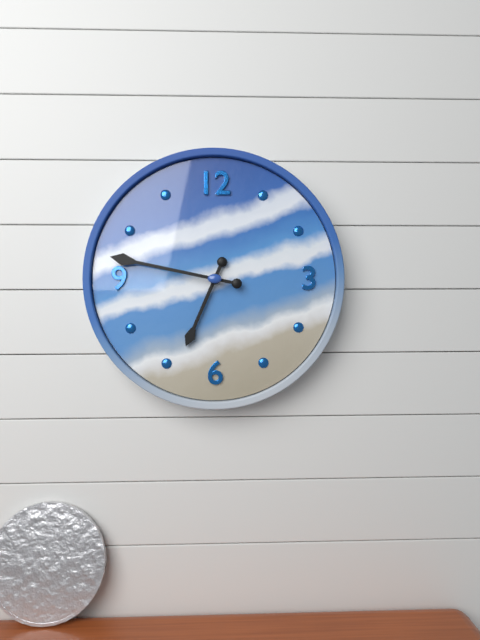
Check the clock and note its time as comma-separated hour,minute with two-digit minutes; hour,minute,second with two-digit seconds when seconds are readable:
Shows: 6,47
